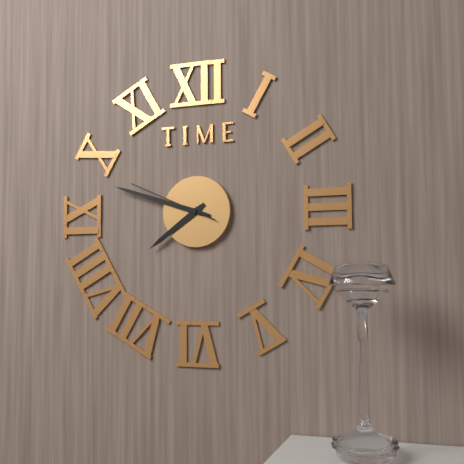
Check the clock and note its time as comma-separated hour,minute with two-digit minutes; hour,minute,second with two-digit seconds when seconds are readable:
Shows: 7,48,49
